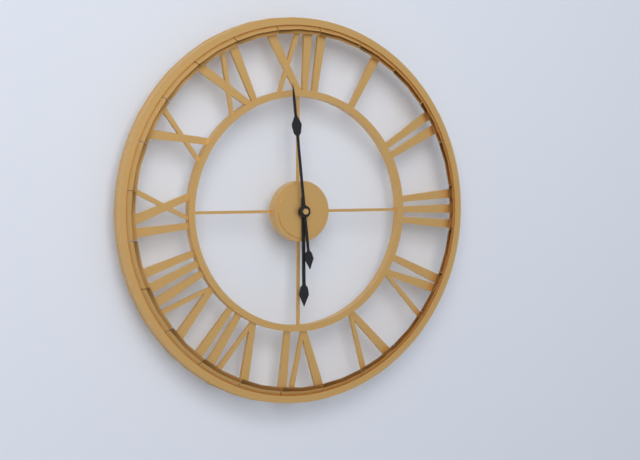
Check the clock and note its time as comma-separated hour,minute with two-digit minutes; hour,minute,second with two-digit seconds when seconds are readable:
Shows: 5,59
